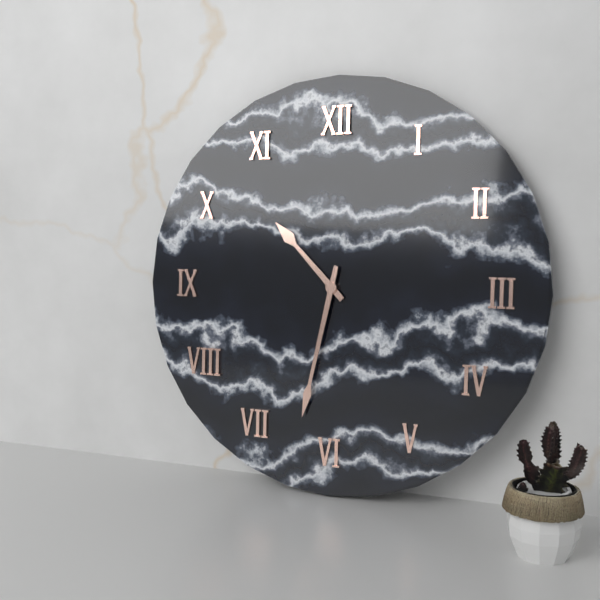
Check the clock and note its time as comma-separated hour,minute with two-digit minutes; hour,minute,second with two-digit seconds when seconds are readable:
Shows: 10,32
